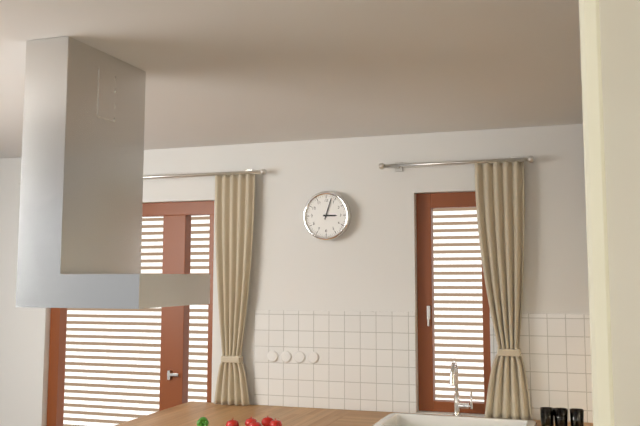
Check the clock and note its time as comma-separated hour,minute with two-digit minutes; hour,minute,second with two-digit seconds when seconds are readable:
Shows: 3,03
